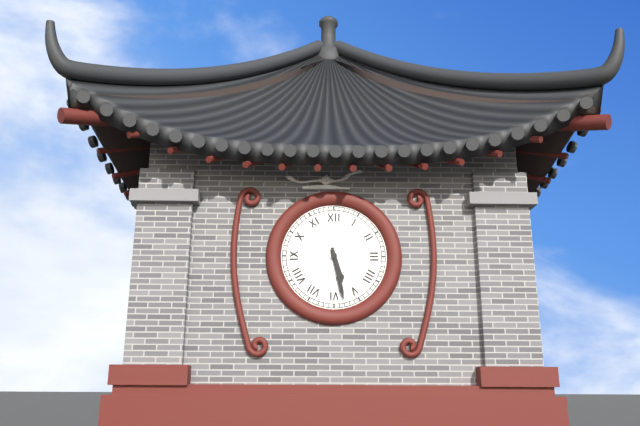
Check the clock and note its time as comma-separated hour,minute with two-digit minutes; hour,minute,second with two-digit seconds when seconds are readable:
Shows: 5,28
